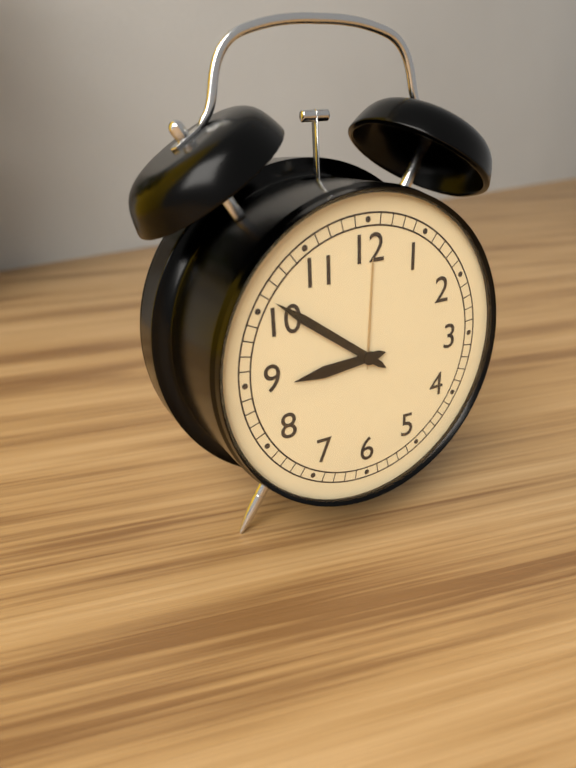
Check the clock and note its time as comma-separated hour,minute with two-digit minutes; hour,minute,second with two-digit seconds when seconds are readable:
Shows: 8,51
